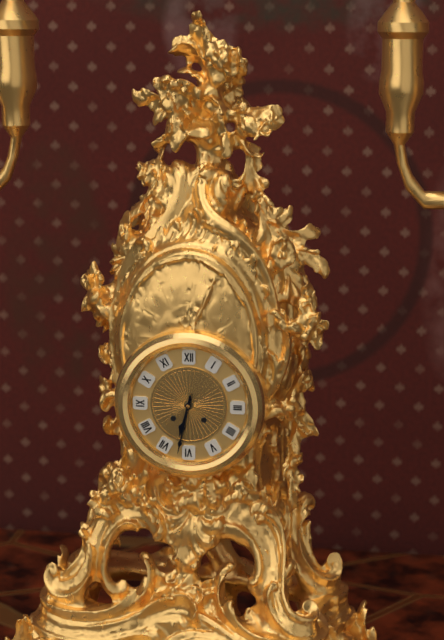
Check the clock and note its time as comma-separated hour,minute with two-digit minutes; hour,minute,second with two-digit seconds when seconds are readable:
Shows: 6,32
